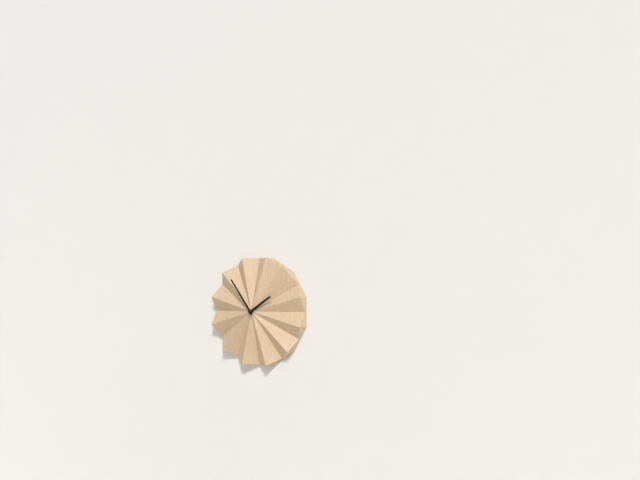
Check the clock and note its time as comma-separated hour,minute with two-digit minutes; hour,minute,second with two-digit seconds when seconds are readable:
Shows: 1,54
